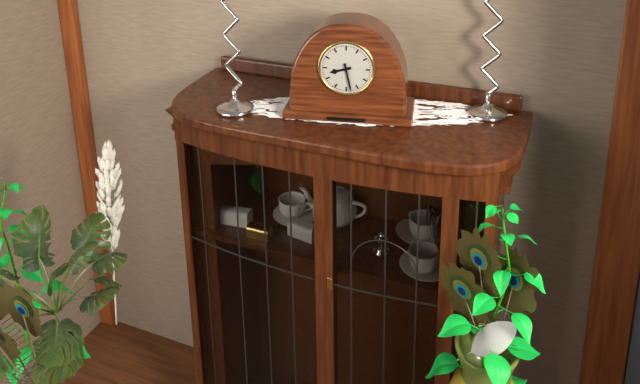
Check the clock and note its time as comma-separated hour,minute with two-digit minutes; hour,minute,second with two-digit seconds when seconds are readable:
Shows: 8,28
